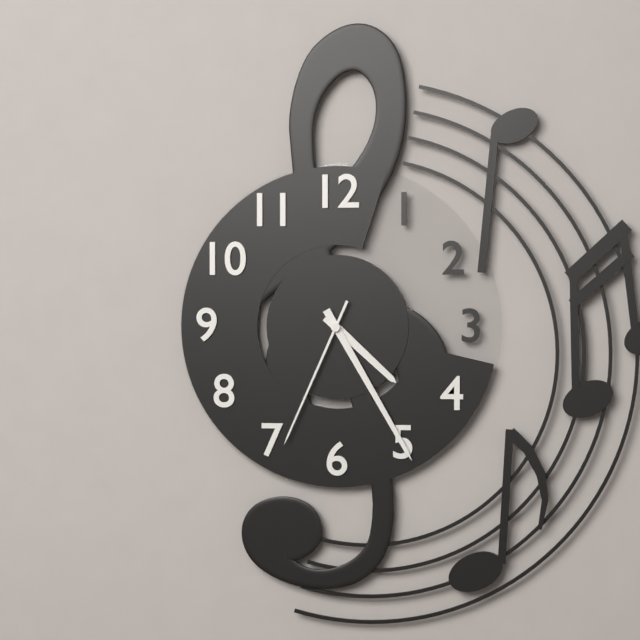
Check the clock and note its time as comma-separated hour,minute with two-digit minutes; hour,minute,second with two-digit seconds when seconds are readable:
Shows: 4,25,34
